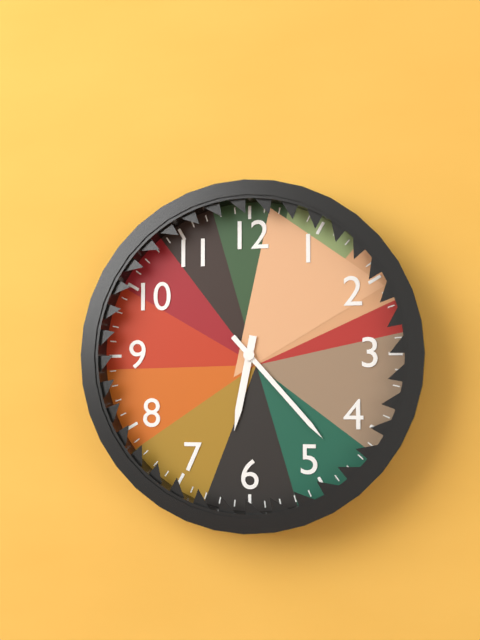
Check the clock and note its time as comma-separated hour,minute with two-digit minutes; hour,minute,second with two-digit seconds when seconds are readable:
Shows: 6,23
